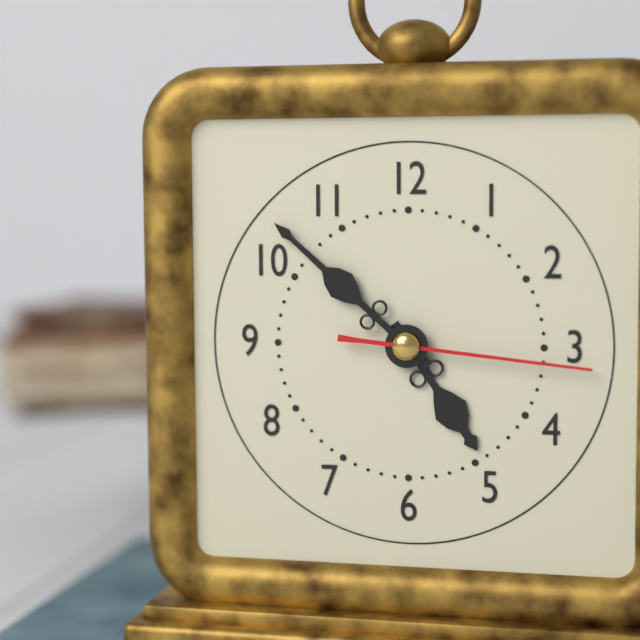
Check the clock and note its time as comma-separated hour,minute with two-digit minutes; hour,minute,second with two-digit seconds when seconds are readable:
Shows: 4,52,16
